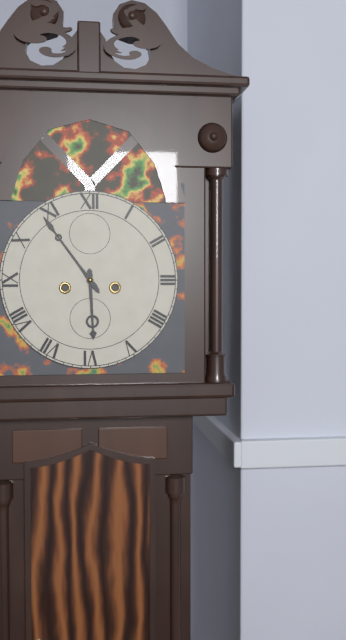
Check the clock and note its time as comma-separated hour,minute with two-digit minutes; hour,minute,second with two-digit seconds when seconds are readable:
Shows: 5,54
